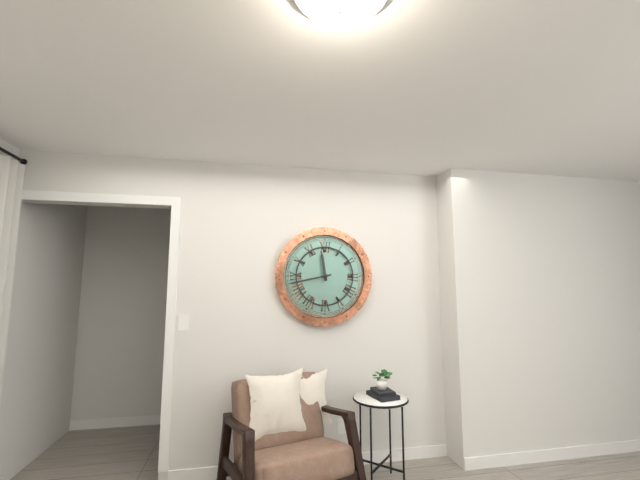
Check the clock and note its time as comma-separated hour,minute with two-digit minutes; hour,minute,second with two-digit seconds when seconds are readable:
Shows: 11,43
